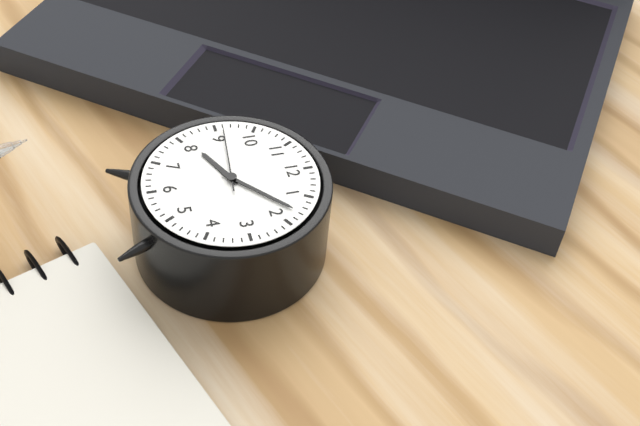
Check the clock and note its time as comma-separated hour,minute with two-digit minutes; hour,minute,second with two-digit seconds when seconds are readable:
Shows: 8,08,46
